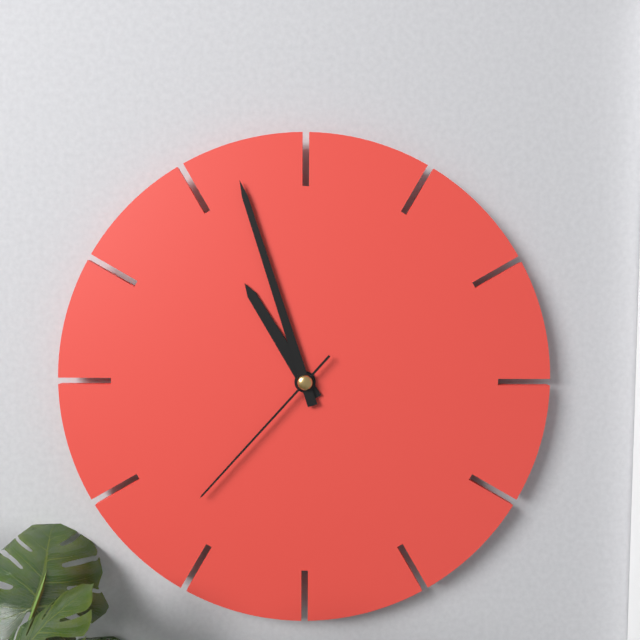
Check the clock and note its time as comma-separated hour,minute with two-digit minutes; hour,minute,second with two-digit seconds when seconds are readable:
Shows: 10,57,37
